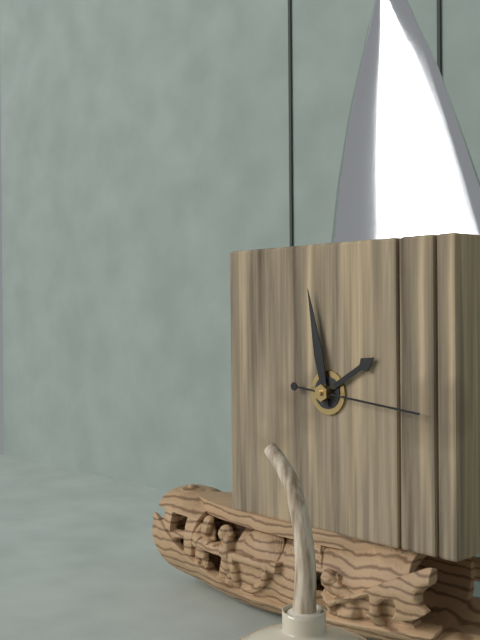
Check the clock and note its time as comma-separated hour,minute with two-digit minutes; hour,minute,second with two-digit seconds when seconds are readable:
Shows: 1,58,16
